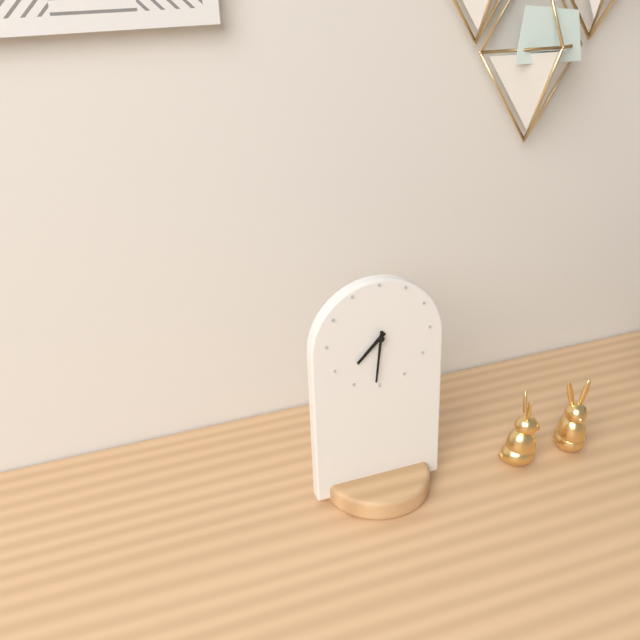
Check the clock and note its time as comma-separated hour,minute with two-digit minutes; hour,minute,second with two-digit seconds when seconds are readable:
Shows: 7,31
